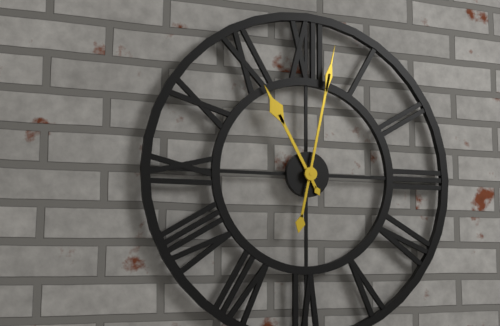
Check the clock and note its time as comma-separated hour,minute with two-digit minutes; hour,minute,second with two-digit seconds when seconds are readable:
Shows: 11,02
